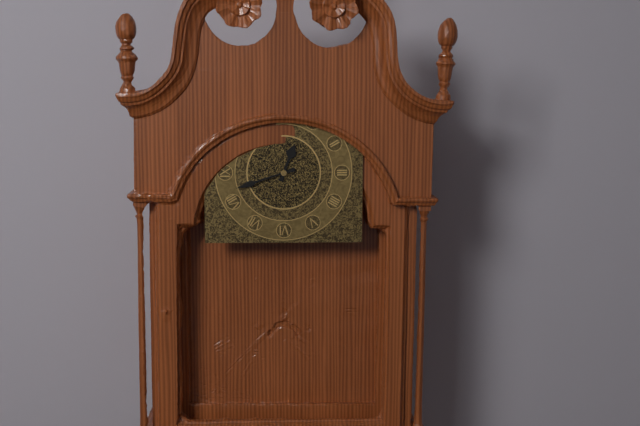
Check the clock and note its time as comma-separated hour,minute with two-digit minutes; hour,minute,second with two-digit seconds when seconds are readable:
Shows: 12,42
